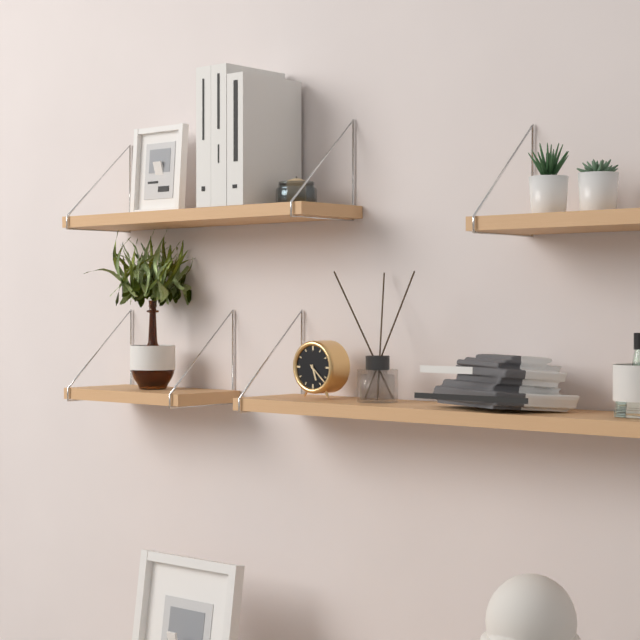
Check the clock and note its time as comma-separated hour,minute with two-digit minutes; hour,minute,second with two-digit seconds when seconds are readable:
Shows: 5,22
